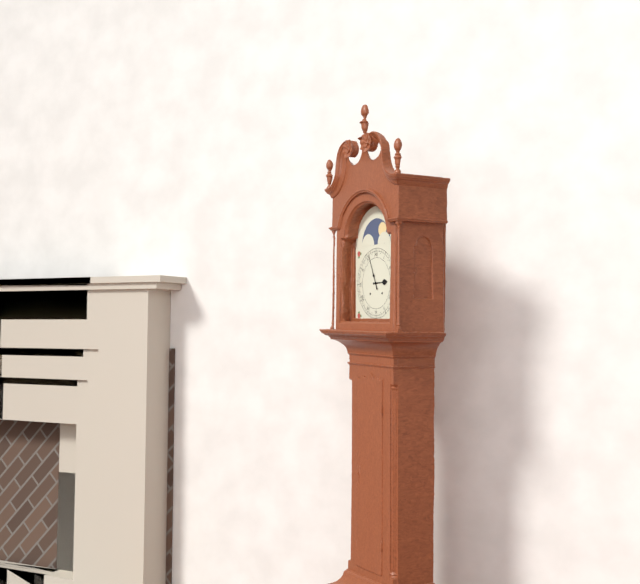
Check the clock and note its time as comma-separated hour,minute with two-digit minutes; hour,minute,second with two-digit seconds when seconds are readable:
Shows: 2,56
